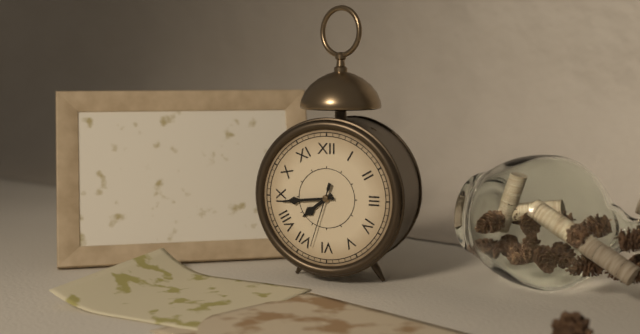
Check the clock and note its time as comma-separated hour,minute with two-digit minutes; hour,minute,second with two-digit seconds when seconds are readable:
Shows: 7,44,33
